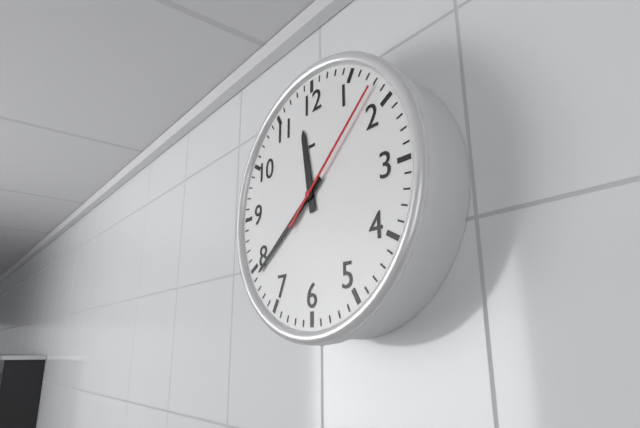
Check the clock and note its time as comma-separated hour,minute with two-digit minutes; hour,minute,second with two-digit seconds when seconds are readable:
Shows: 11,39,08
